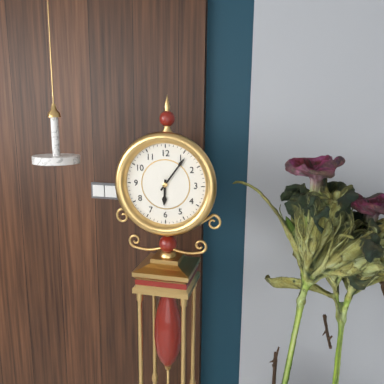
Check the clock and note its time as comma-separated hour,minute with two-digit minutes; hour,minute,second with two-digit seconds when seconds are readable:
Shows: 6,06
